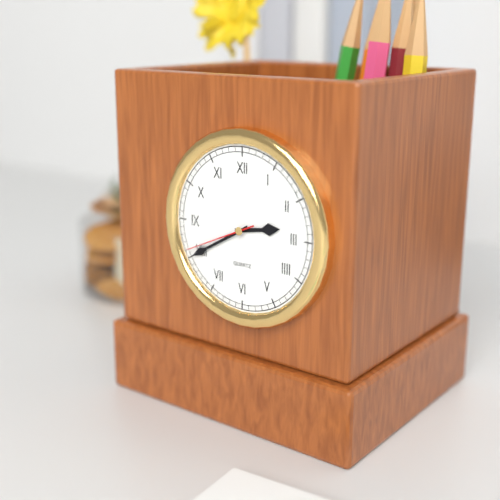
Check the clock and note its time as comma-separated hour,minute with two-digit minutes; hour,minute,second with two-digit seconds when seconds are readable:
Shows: 2,40,41
